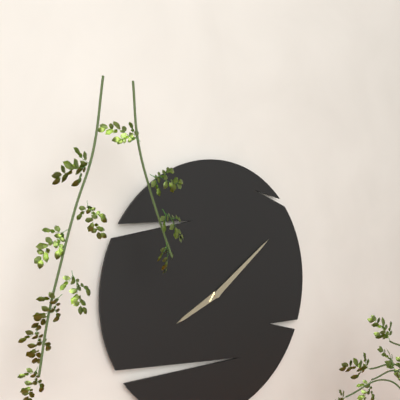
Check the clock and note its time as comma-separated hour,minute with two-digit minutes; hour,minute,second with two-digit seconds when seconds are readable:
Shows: 8,09
